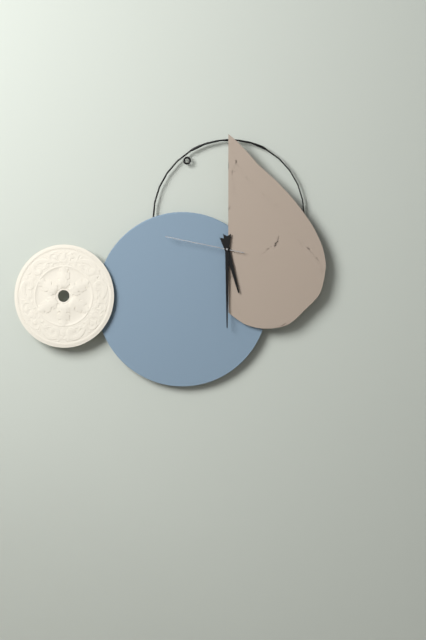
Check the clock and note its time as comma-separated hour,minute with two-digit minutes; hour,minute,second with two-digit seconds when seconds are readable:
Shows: 5,30,47
